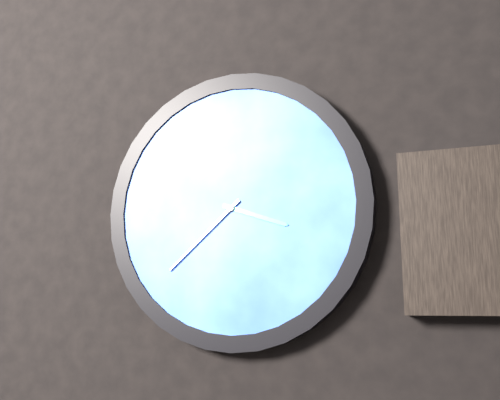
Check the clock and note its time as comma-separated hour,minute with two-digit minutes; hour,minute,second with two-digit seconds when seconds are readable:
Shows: 3,38
